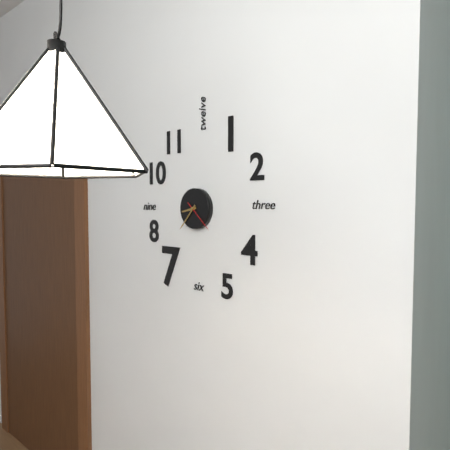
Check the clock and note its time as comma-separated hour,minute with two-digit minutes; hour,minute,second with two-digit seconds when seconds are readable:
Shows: 8,37
